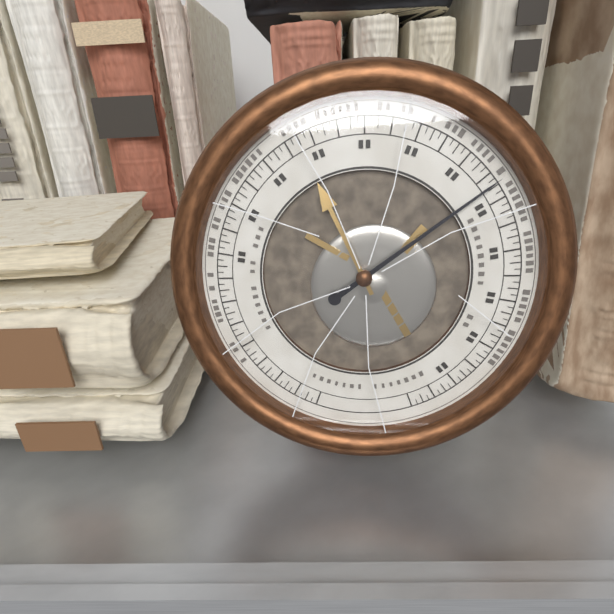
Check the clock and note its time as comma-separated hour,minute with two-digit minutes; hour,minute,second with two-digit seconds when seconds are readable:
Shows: 11,09
